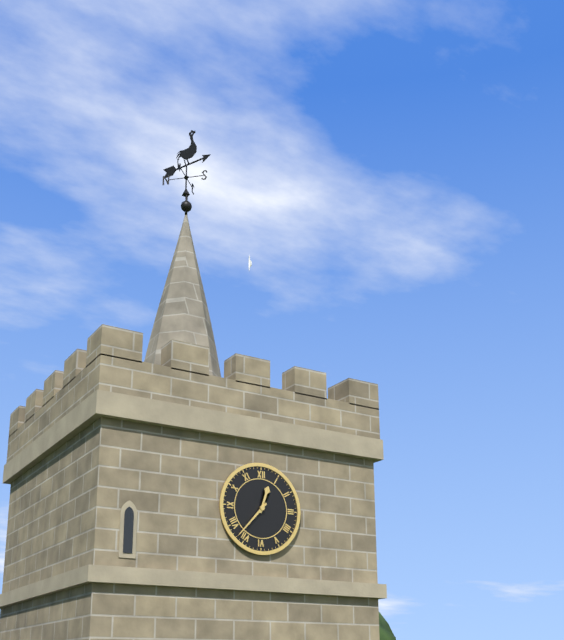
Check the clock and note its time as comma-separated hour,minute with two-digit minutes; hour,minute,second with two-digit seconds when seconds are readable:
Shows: 12,37
